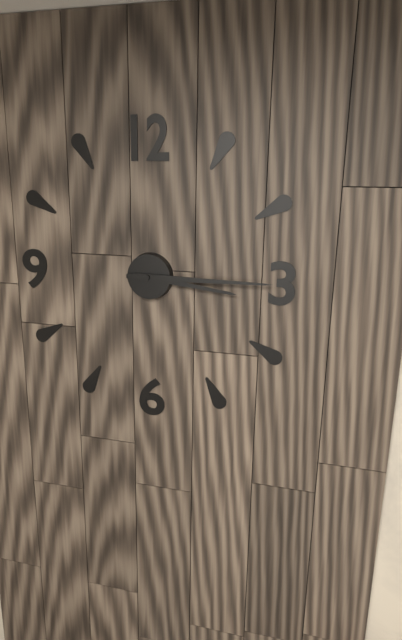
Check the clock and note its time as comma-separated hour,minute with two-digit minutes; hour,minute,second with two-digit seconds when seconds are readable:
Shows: 3,15
